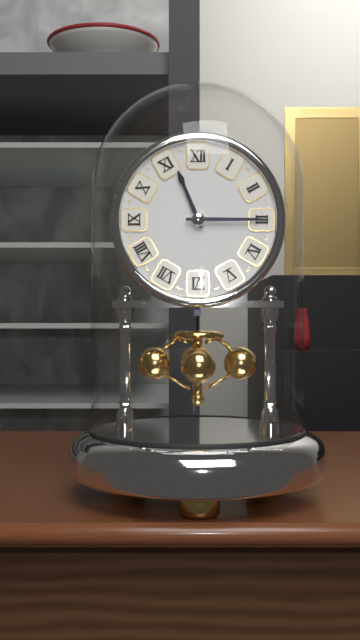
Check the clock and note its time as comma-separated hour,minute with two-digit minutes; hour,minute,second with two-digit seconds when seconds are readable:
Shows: 11,15
